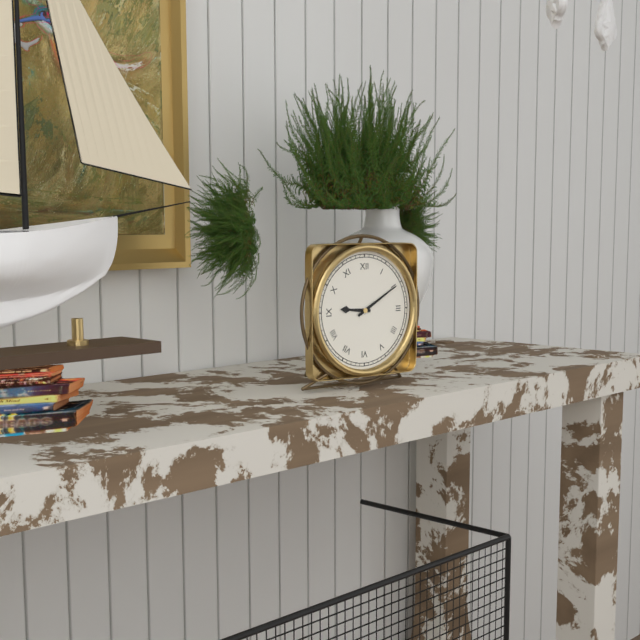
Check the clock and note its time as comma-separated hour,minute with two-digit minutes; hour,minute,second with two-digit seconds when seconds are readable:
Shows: 9,10
